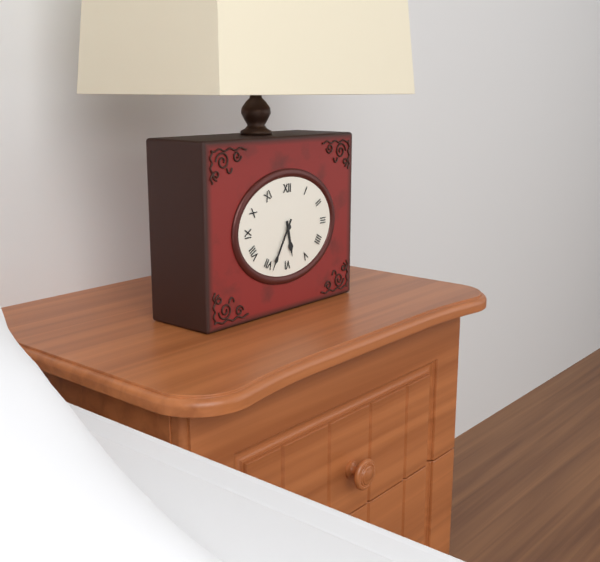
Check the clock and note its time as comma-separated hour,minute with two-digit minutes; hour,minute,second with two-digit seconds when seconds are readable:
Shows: 5,35
